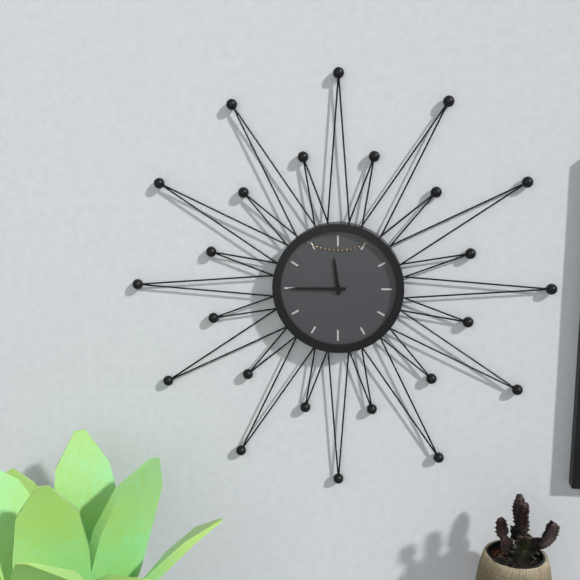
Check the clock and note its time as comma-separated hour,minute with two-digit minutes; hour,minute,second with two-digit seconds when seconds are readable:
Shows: 11,45
